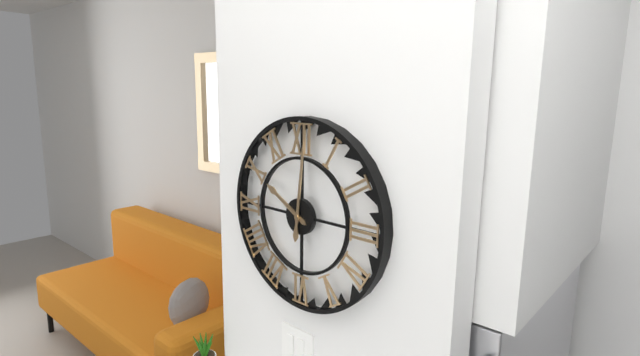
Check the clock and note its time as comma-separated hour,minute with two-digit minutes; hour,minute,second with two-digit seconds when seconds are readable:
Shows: 10,01
